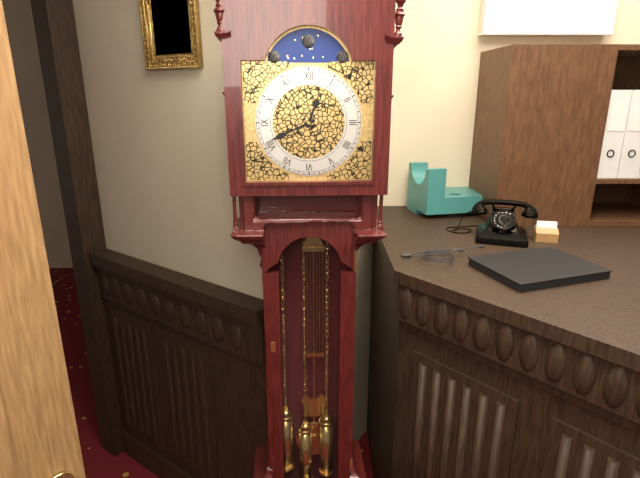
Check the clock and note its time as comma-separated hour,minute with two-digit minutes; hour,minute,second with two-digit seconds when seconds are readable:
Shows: 12,41
